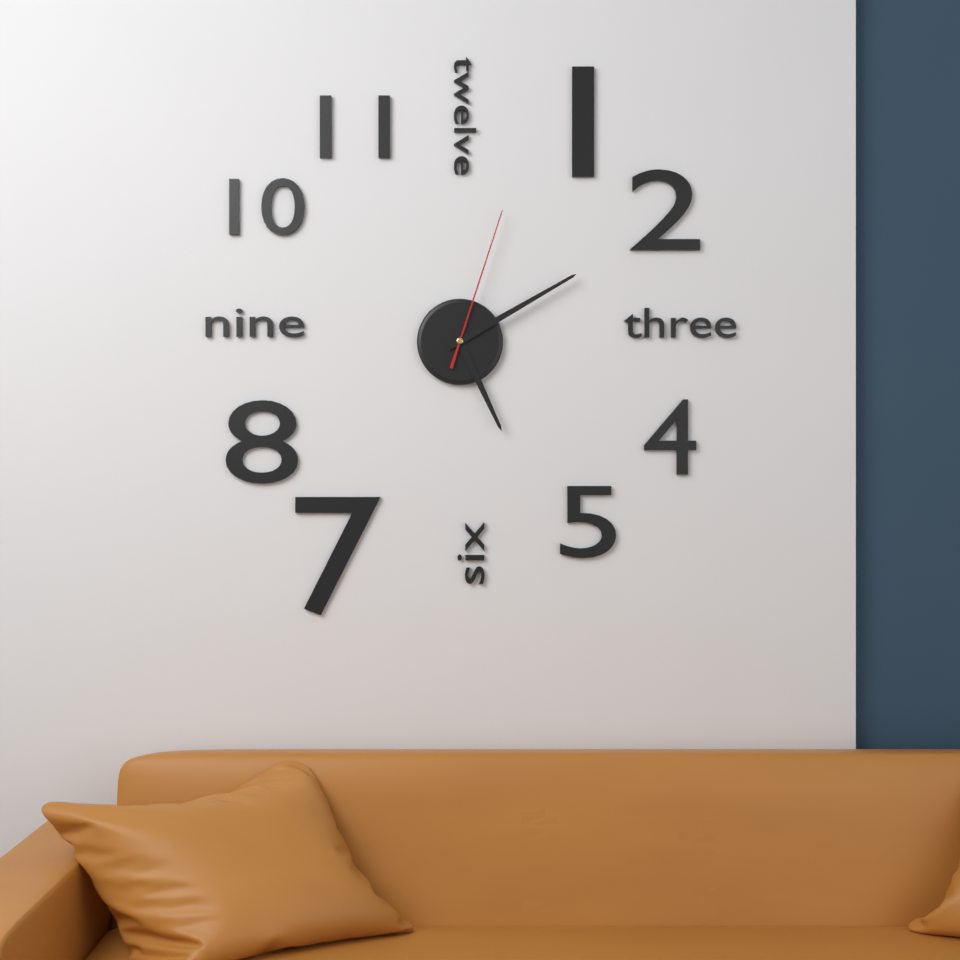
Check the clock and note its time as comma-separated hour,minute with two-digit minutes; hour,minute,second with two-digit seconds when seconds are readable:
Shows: 5,10,03
